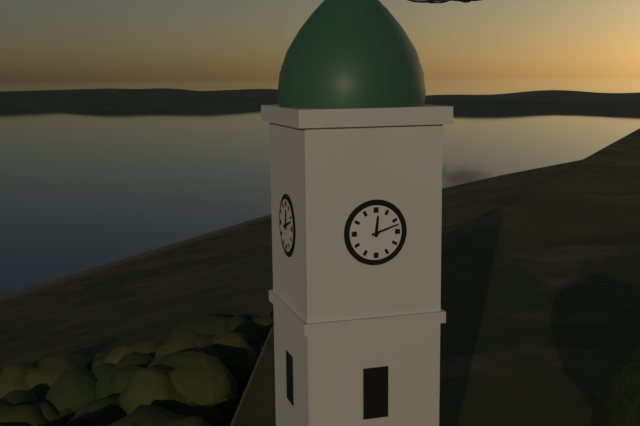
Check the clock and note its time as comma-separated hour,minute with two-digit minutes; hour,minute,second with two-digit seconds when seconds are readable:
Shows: 12,12
